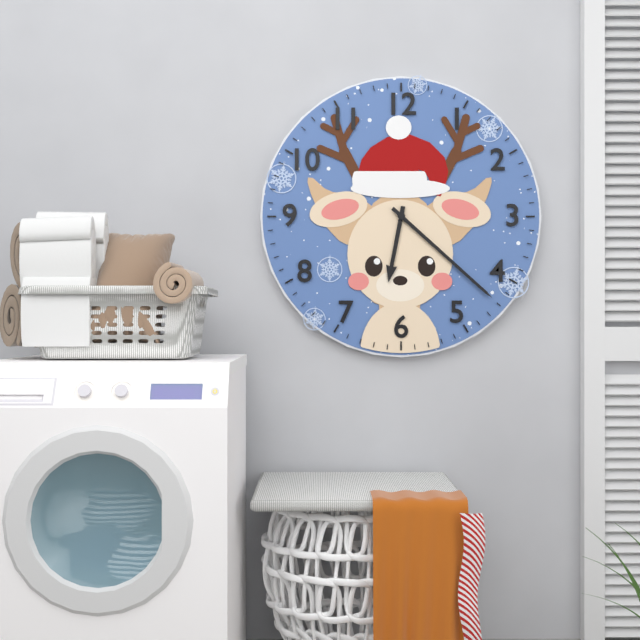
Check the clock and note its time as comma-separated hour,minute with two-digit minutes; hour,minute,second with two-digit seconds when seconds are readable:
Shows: 6,22
